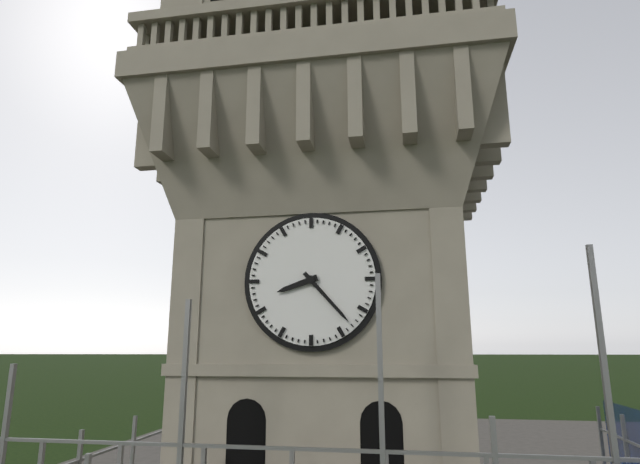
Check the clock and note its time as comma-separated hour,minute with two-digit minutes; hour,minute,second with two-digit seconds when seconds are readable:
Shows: 8,23
